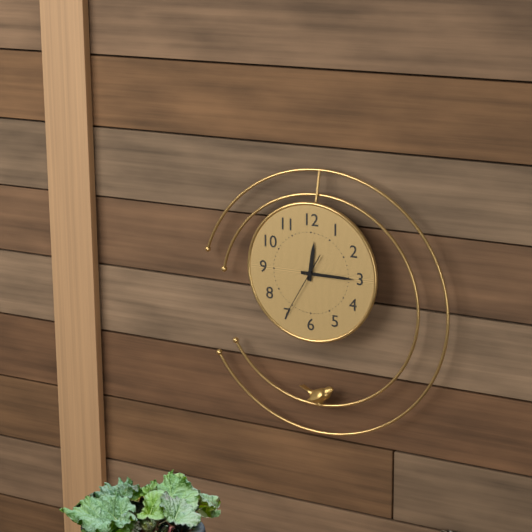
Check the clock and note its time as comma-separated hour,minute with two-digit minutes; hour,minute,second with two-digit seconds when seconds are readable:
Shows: 12,15,35
